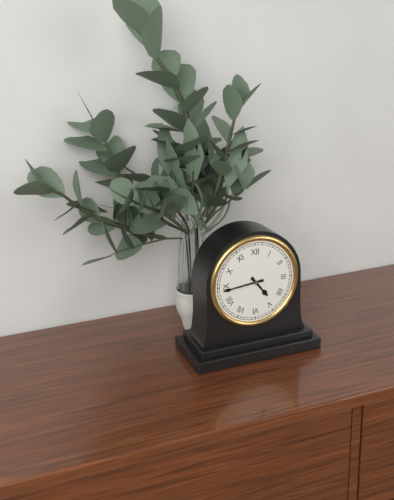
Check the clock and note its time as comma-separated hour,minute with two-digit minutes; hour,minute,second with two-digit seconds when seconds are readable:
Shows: 4,44
